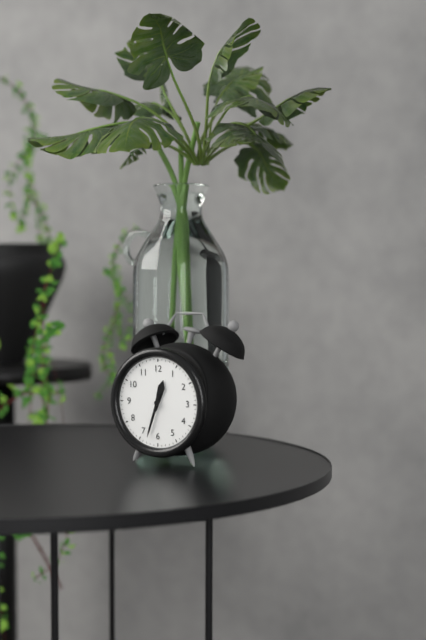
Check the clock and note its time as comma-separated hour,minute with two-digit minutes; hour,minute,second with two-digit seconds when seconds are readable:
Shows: 12,33
